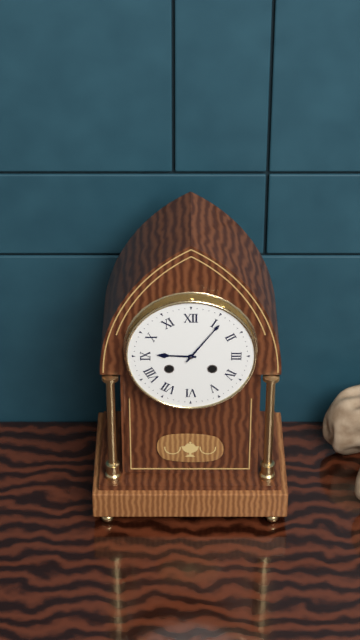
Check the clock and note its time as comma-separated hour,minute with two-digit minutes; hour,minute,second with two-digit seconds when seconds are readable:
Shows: 9,06
